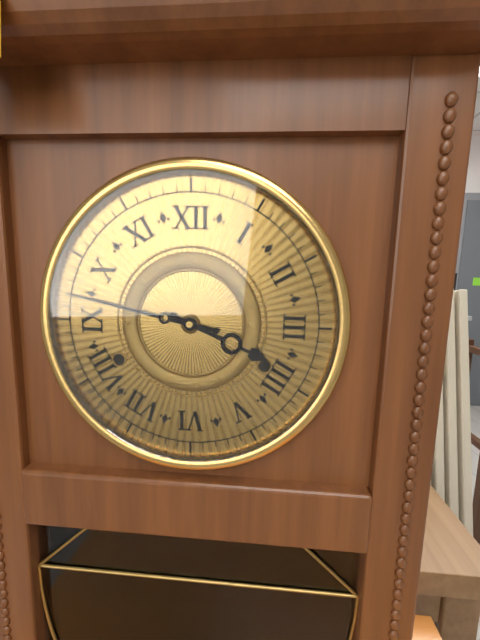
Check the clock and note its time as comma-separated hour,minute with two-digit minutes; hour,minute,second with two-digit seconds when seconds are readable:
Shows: 3,47
